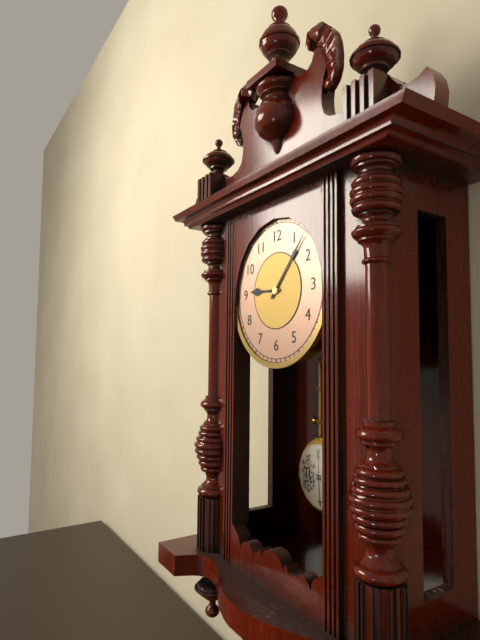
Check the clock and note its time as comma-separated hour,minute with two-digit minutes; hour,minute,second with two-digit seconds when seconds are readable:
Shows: 9,07
